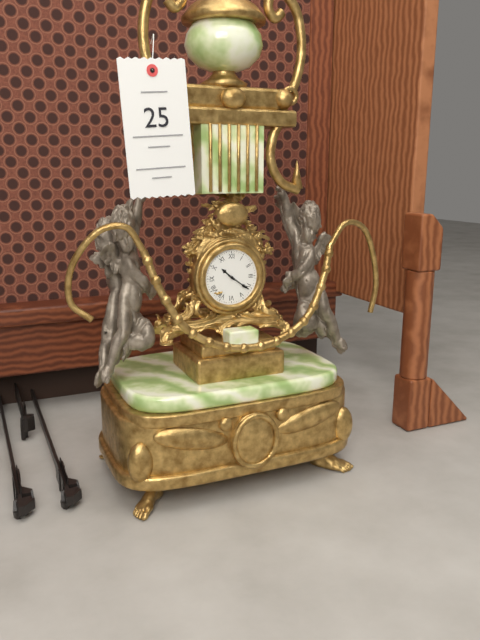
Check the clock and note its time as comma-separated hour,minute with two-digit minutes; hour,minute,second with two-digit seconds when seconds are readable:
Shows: 10,21
